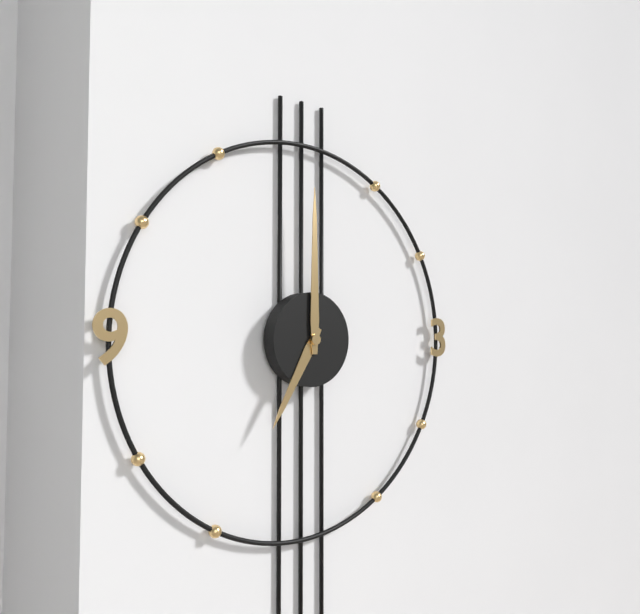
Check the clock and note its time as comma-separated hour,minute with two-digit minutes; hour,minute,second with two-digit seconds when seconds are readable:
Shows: 7,00
